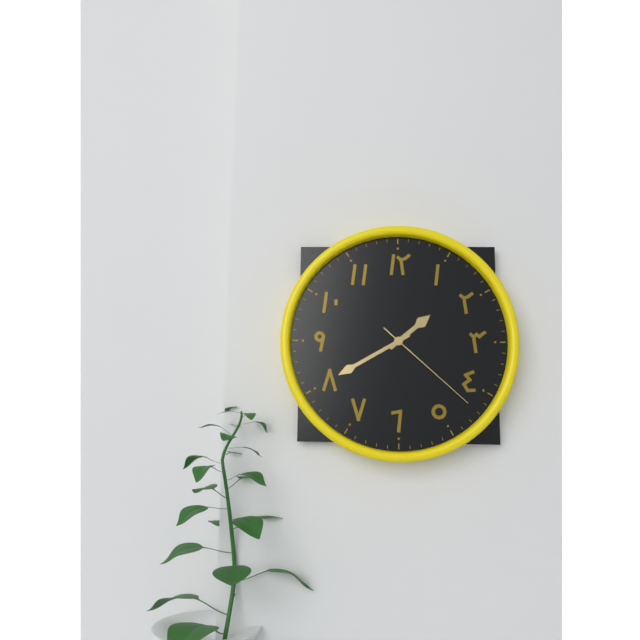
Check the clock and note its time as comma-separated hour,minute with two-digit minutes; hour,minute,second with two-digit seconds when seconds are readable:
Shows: 1,40,22
